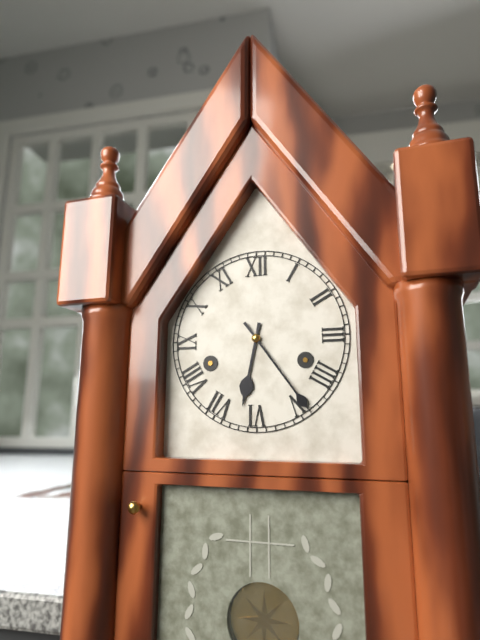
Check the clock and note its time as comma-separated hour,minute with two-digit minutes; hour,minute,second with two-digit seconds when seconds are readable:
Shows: 6,24
